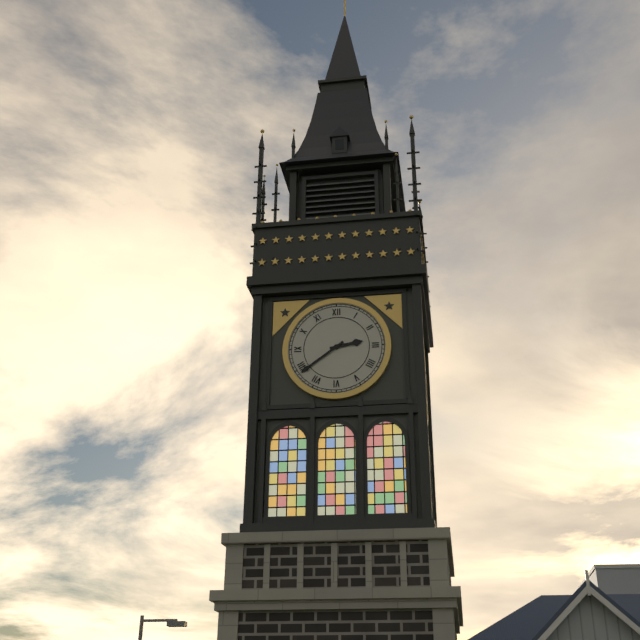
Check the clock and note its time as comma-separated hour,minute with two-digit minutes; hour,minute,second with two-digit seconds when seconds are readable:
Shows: 2,39
